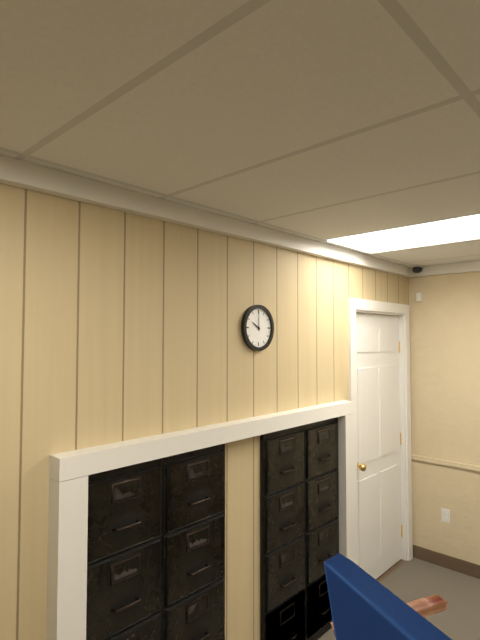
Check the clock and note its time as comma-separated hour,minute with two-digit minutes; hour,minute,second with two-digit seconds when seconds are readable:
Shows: 10,00
